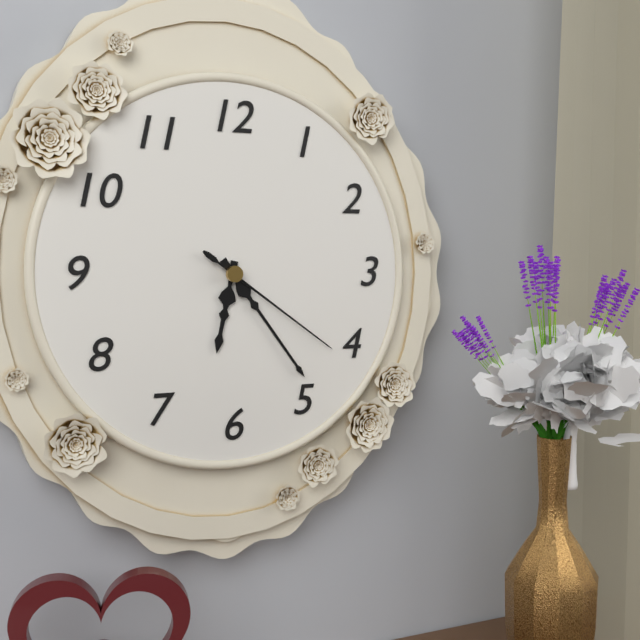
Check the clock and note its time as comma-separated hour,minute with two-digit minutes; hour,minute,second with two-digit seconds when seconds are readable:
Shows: 6,24,21
